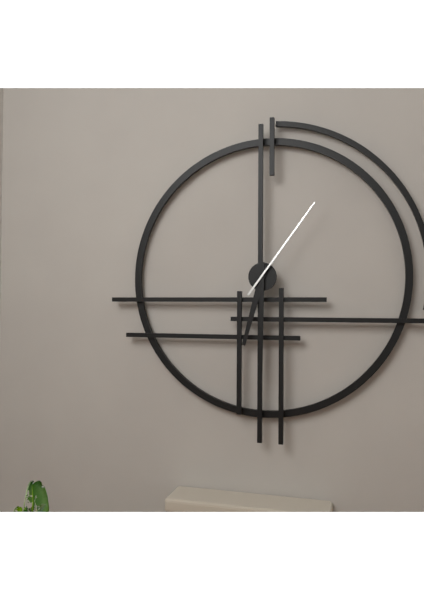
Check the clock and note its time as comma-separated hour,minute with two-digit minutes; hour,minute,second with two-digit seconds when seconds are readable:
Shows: 6,30,06
